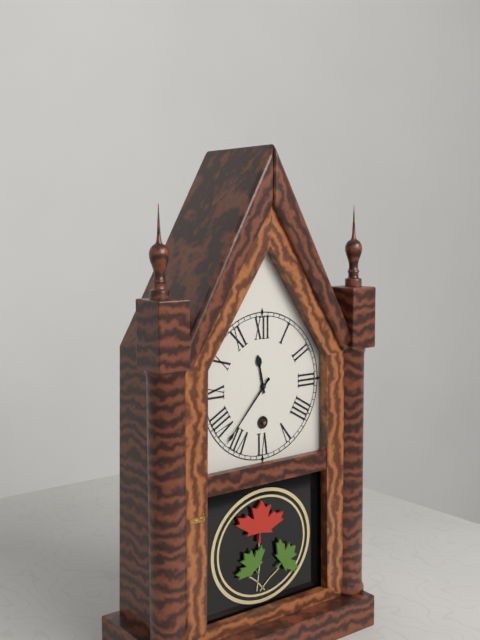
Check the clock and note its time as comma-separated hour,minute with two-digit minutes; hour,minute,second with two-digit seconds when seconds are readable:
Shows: 11,37
